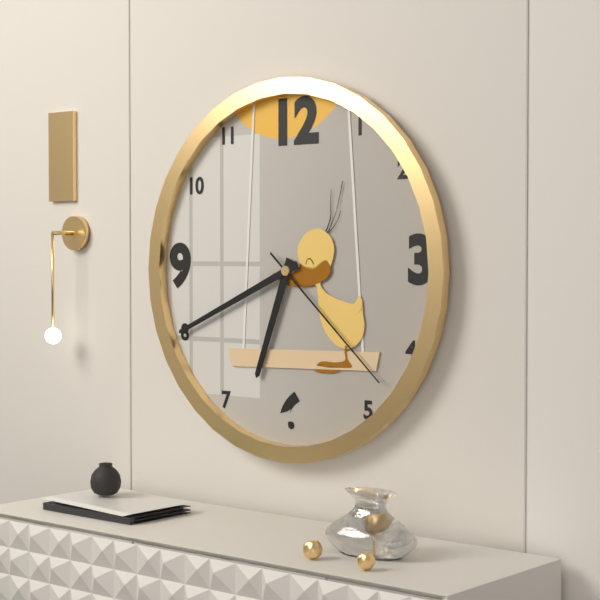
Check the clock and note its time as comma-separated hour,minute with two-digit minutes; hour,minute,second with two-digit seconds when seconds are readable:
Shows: 6,41,22
